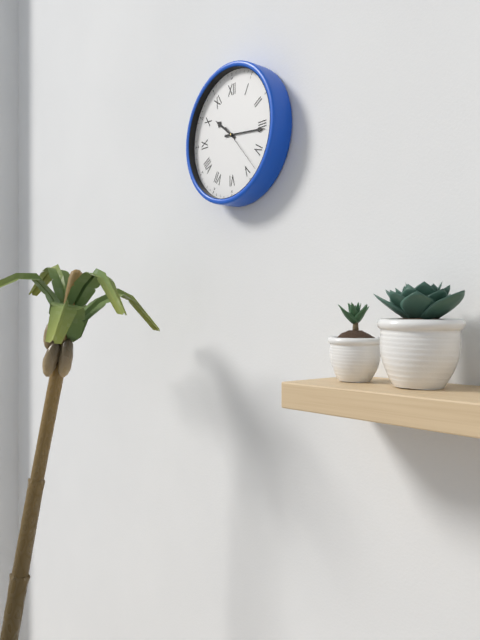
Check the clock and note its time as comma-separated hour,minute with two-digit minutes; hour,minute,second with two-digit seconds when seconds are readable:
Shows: 10,16,23
